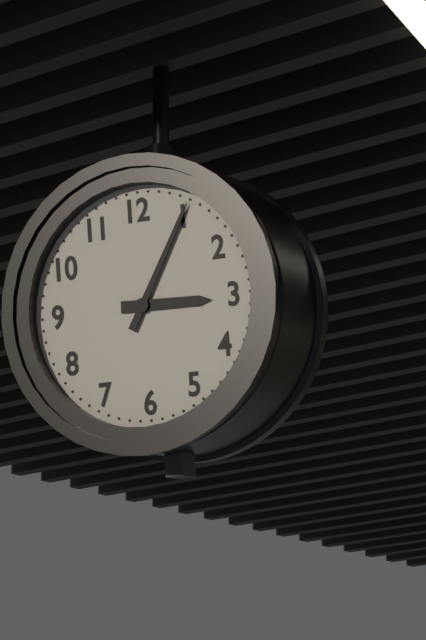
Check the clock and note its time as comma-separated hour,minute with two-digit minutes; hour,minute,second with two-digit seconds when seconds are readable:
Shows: 3,05
